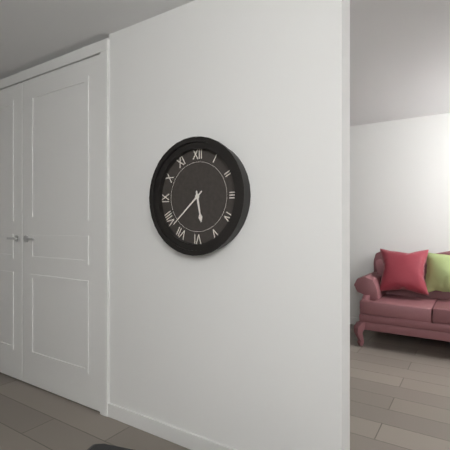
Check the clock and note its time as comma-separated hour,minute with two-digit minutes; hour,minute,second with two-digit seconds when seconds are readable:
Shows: 5,38
